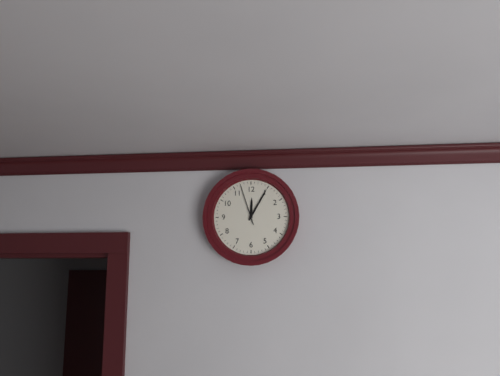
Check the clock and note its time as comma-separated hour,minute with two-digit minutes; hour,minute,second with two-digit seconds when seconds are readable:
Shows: 12,05
